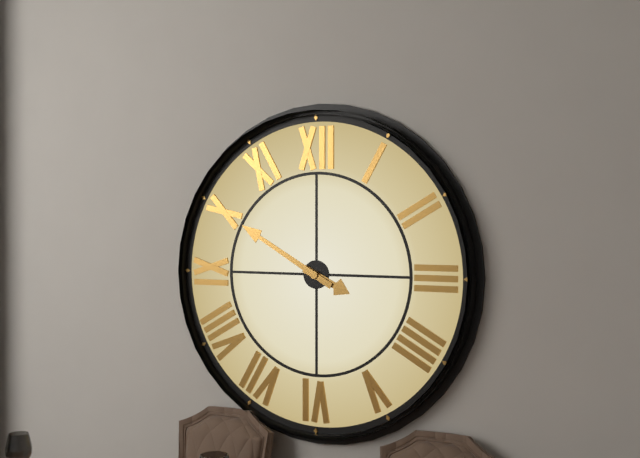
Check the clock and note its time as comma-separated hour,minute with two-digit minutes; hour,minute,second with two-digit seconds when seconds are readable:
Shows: 3,50
